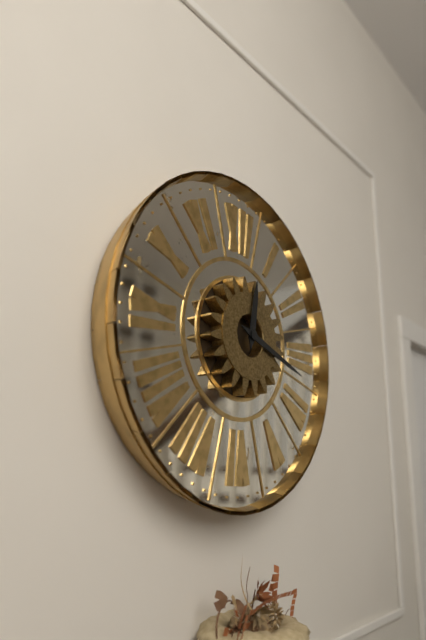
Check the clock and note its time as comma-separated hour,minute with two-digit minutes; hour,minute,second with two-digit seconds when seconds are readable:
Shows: 12,18
